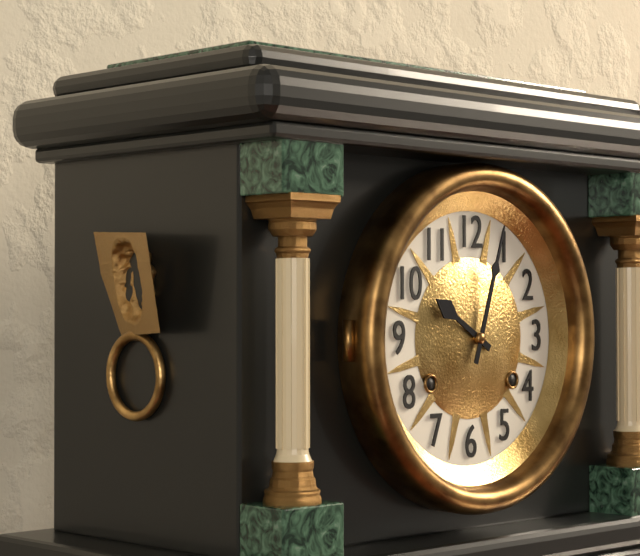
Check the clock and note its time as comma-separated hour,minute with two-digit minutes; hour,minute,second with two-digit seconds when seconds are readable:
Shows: 10,03
